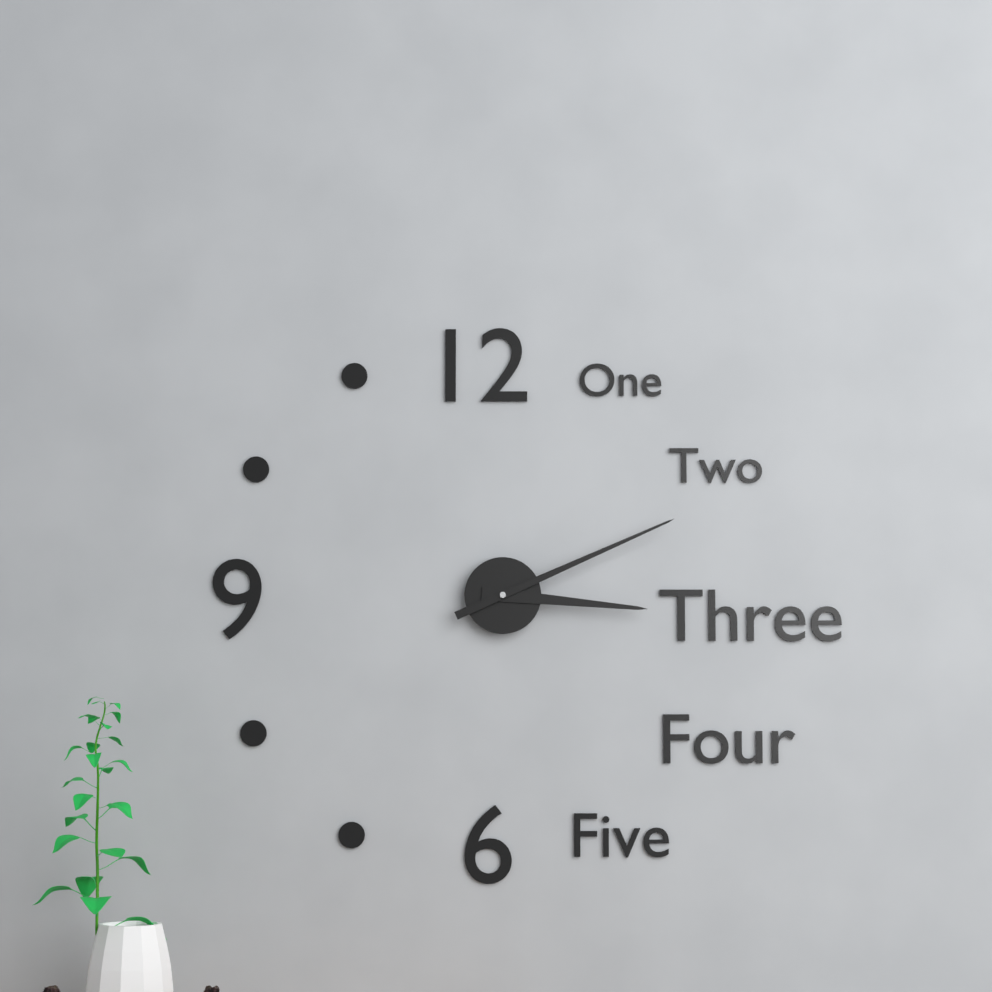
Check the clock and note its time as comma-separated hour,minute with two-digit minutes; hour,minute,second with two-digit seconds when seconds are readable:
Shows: 3,11
